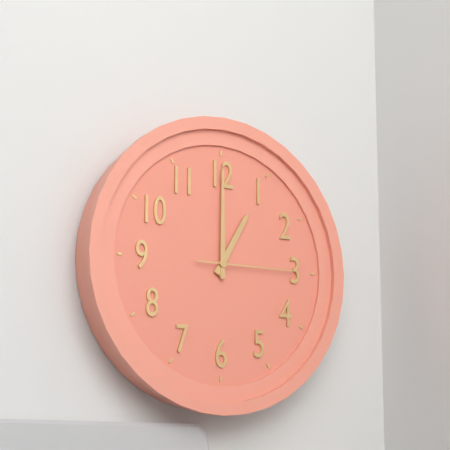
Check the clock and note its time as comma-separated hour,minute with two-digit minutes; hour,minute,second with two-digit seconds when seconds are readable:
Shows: 1,00,15
